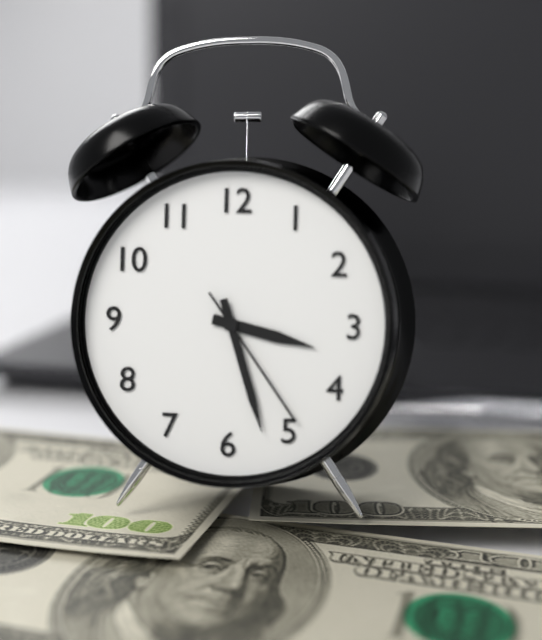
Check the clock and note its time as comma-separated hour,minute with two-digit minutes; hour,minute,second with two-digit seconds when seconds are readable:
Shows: 3,27,24
